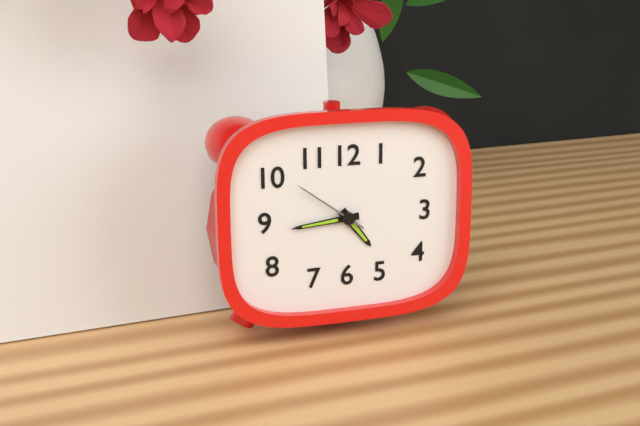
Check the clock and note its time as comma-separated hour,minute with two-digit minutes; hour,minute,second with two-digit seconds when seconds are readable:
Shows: 4,44,51
